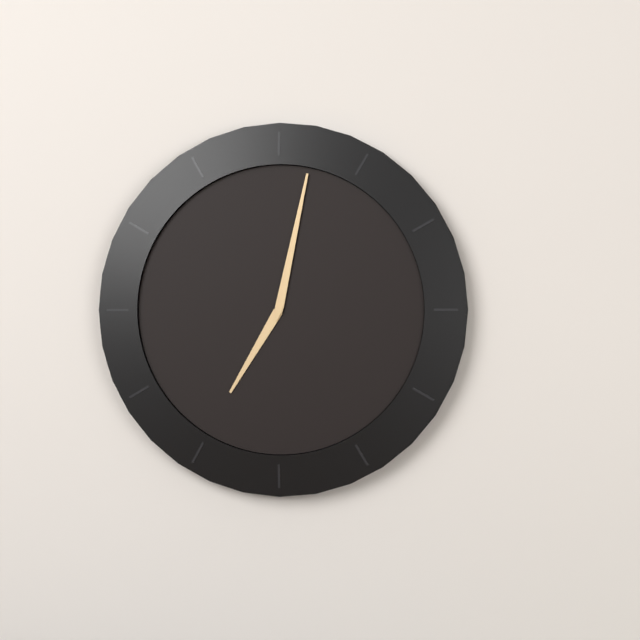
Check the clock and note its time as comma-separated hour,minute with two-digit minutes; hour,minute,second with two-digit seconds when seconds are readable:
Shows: 7,02
